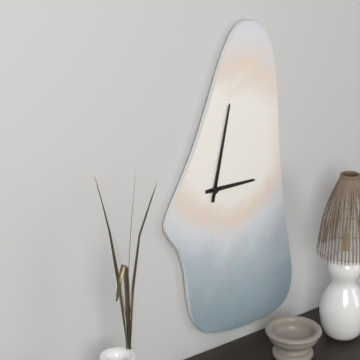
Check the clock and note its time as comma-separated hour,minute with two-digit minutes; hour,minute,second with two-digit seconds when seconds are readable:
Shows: 3,02
